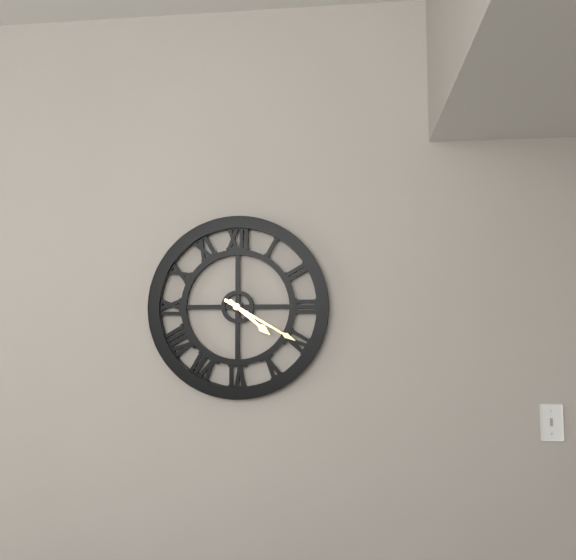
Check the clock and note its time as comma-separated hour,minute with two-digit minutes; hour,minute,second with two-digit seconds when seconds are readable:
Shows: 4,20
